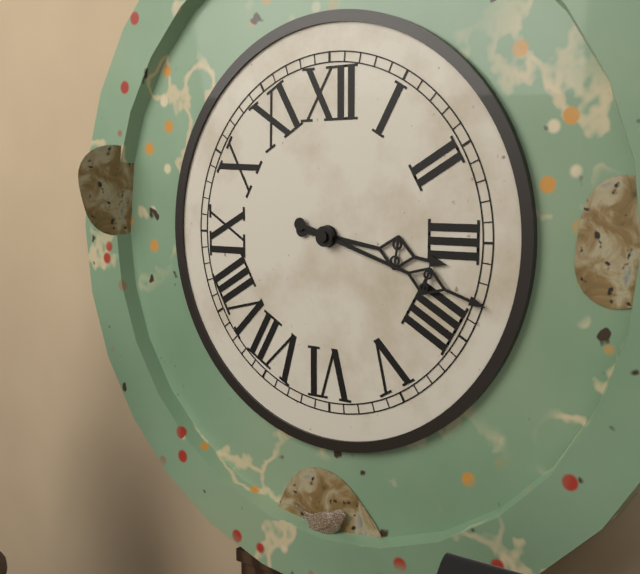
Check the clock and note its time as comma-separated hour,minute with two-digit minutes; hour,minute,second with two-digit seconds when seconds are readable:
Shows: 3,18
